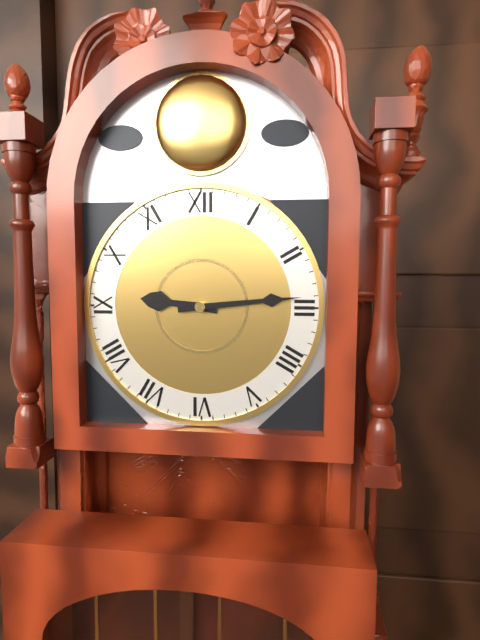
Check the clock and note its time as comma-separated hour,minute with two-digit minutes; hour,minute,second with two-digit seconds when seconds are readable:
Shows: 9,14
